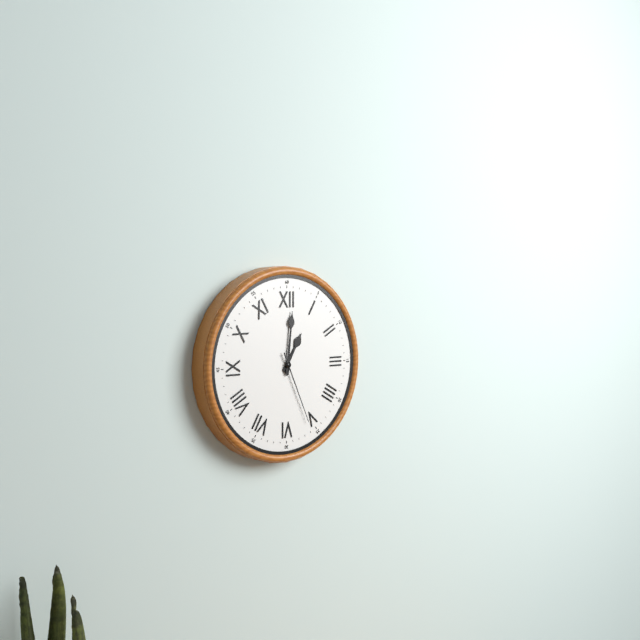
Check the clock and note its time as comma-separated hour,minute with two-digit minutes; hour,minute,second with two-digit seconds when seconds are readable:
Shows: 1,01,26
